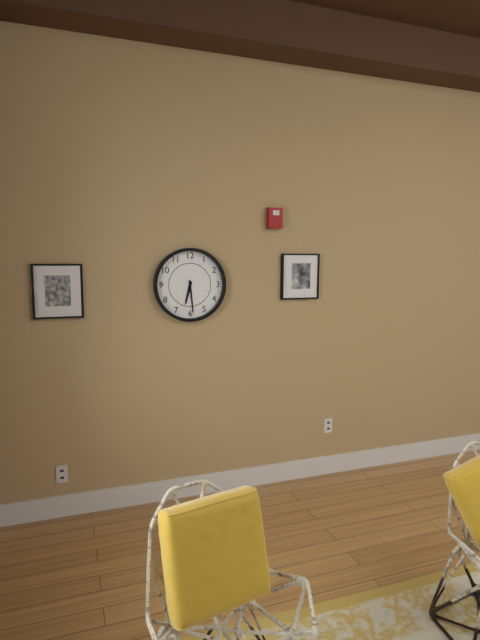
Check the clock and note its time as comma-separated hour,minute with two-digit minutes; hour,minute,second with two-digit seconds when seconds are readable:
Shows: 6,29
